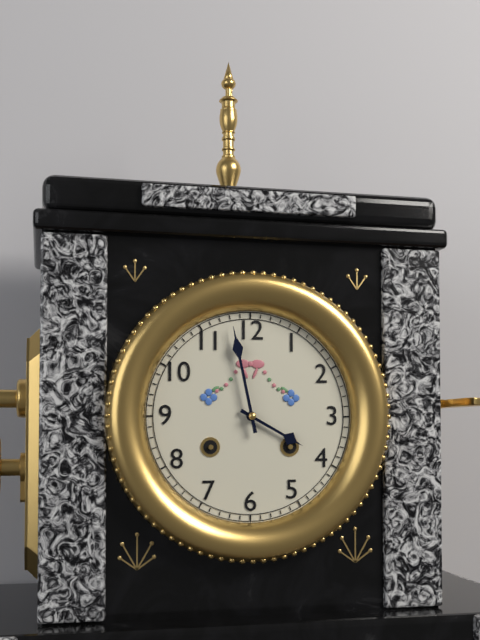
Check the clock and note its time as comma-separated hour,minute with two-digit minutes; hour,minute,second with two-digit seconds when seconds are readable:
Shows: 3,58
